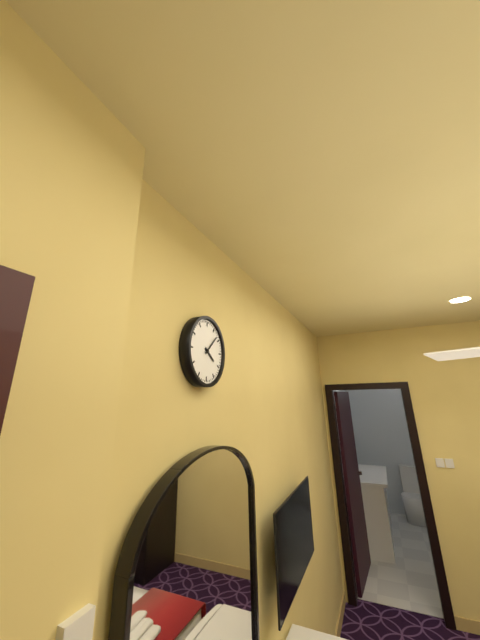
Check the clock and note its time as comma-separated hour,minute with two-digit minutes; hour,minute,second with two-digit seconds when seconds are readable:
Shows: 4,08
